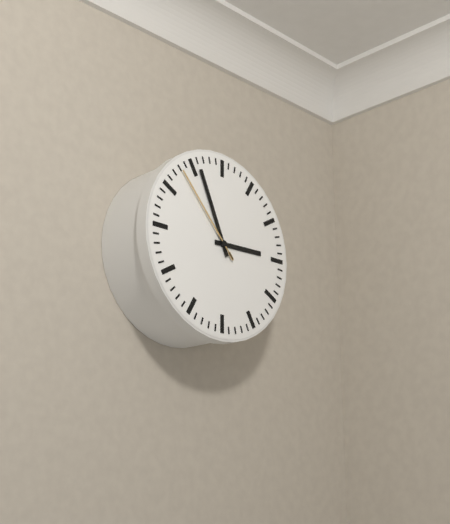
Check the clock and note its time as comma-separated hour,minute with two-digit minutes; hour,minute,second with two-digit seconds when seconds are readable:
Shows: 2,56,53
